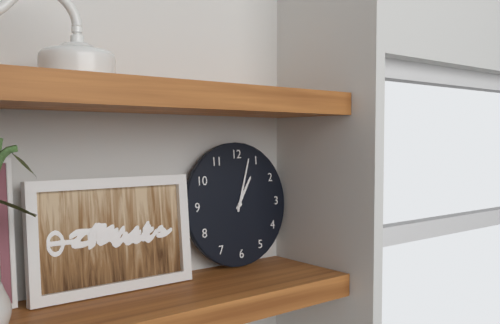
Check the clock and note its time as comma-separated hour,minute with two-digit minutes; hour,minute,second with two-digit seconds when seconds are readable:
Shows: 1,03
